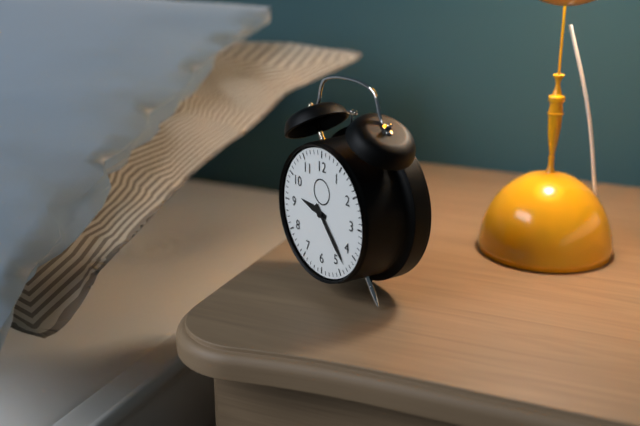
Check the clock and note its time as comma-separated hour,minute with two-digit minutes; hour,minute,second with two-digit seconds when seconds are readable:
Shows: 9,23
